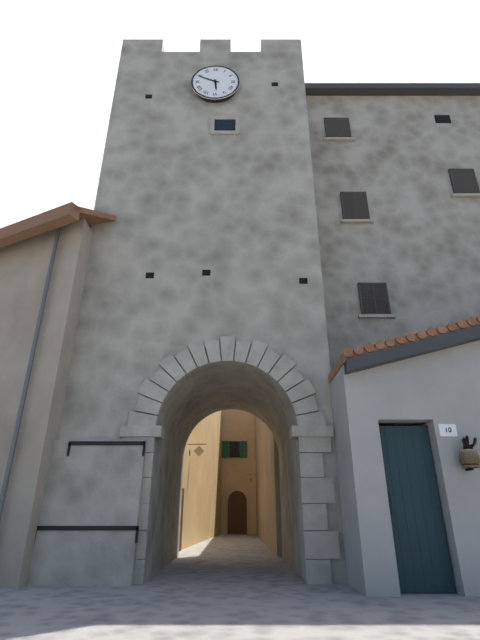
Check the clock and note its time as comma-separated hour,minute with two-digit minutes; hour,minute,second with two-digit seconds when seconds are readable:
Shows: 5,49
